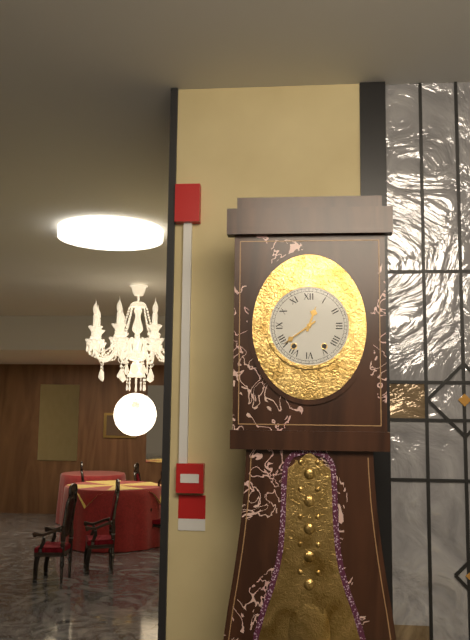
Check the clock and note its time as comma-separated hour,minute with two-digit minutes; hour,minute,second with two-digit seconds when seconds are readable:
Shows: 12,39
